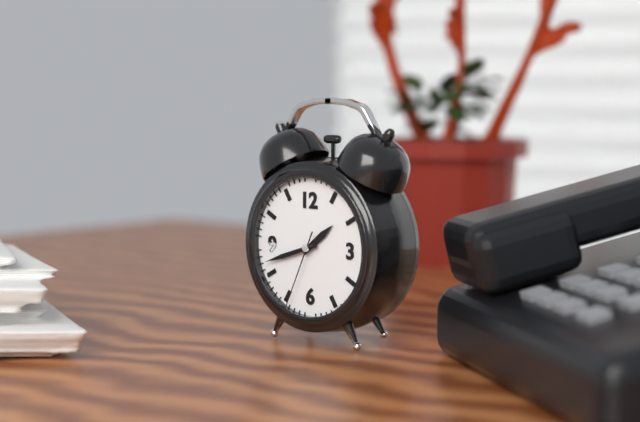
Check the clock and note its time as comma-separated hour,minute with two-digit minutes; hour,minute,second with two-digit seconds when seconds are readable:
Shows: 1,42,34
